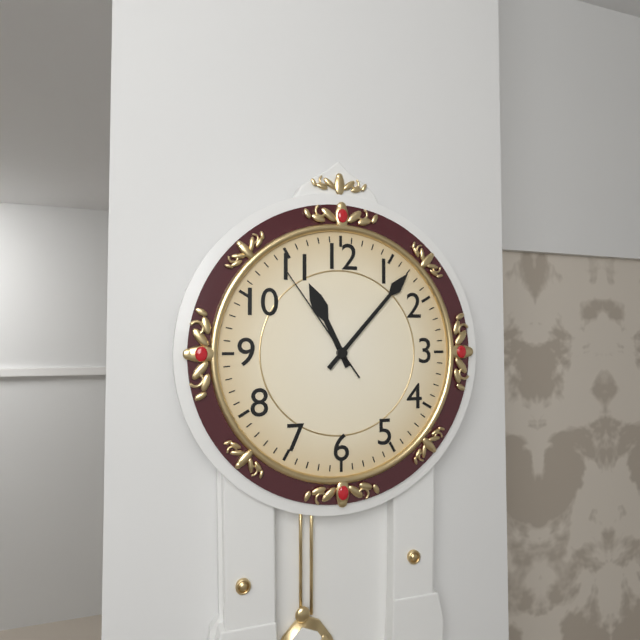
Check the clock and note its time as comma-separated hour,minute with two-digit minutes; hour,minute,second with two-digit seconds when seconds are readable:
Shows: 11,07,54
